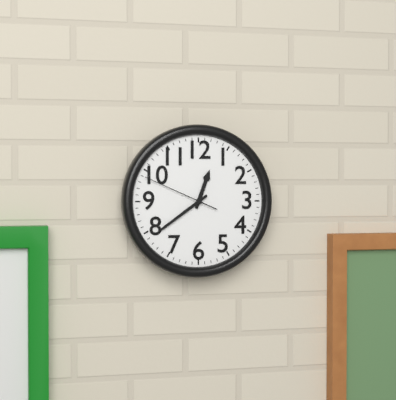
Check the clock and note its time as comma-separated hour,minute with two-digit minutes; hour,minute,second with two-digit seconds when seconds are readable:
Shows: 12,39,49
